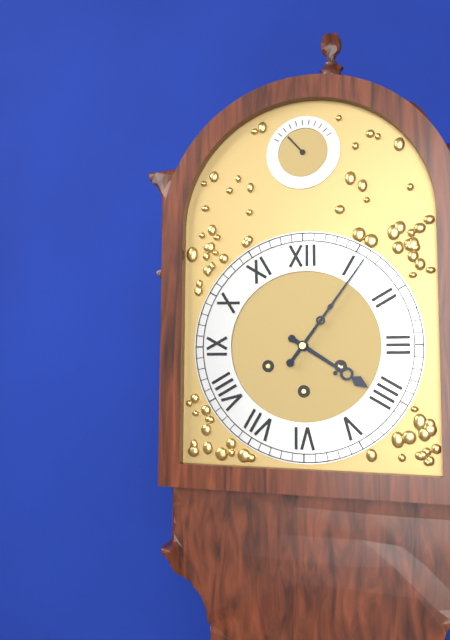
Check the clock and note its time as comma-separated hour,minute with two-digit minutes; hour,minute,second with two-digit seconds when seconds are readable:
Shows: 4,06
